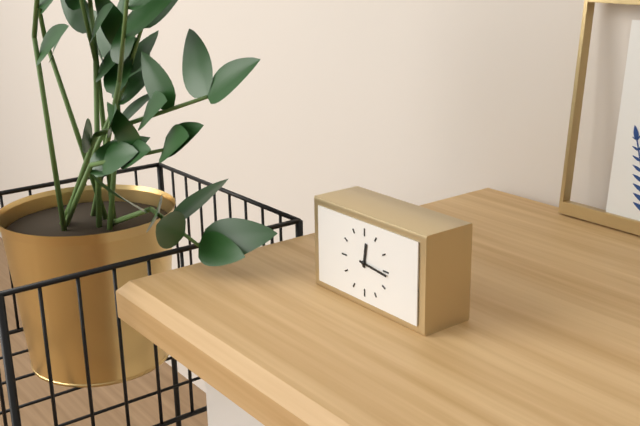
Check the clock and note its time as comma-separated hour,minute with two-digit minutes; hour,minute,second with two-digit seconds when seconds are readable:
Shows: 12,16
